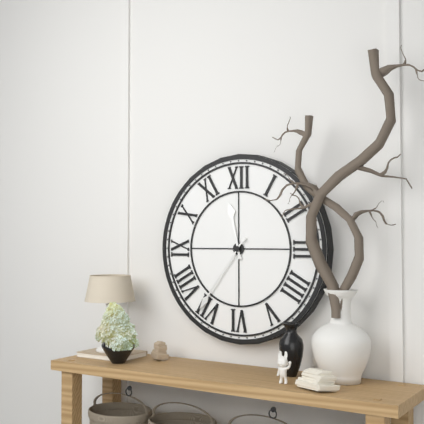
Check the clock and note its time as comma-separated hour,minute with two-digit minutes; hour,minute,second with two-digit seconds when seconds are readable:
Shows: 11,36
